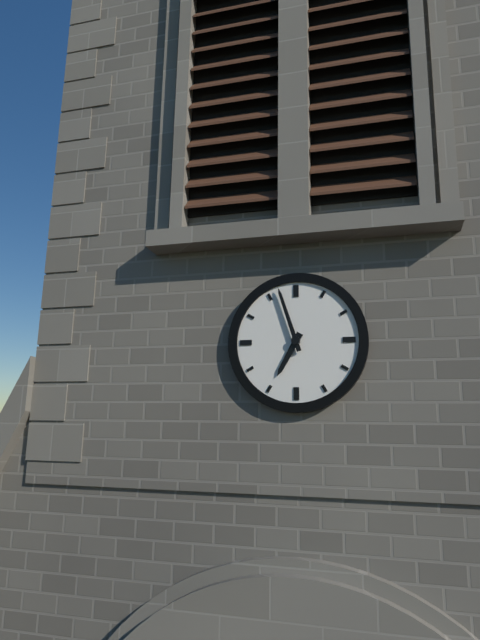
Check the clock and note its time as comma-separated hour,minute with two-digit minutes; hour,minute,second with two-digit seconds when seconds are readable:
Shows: 6,57
